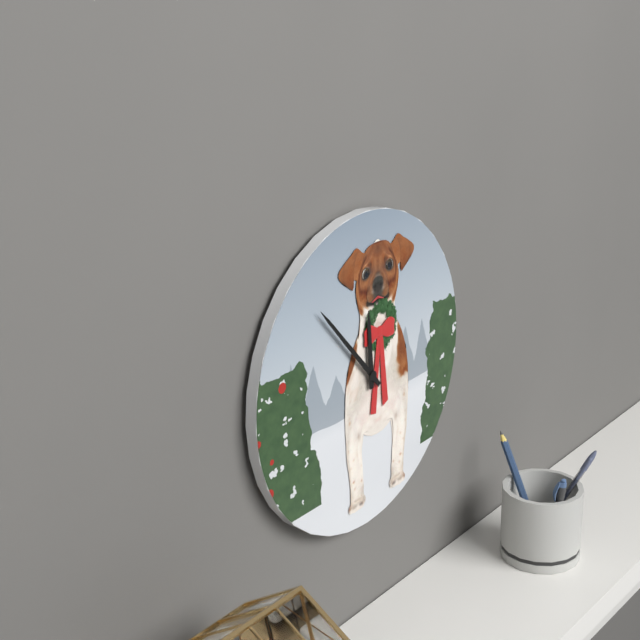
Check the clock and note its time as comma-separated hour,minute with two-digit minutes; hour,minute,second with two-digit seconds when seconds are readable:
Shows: 11,53
